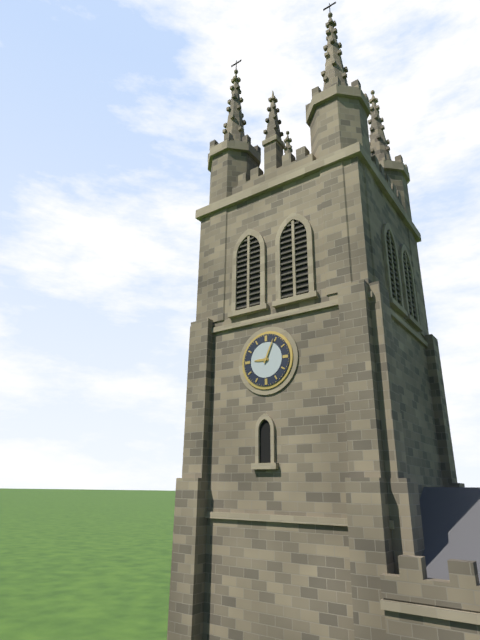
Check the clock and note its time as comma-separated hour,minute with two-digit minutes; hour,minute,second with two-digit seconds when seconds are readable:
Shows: 9,04
